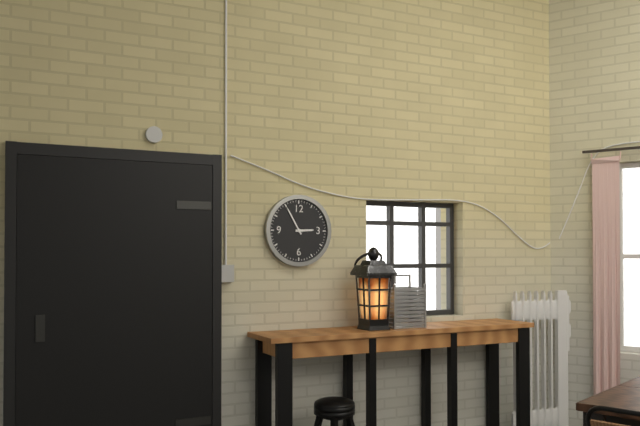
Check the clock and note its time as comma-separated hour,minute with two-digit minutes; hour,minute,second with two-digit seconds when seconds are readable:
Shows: 2,55
